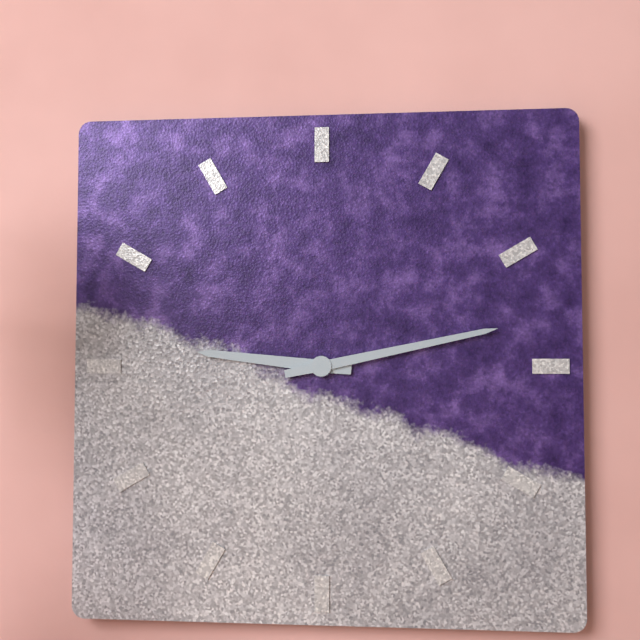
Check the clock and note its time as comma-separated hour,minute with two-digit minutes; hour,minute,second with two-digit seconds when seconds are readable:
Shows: 9,13
